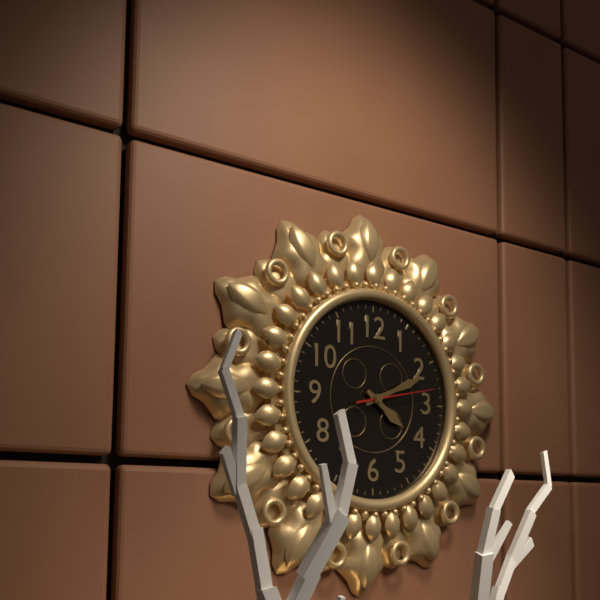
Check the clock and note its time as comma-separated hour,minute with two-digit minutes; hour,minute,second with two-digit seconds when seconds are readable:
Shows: 4,11,13
